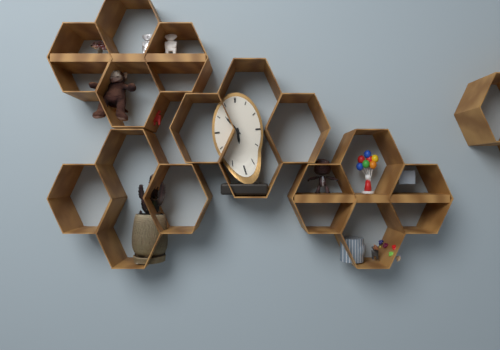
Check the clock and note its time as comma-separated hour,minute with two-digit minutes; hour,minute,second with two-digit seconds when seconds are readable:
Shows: 5,54
